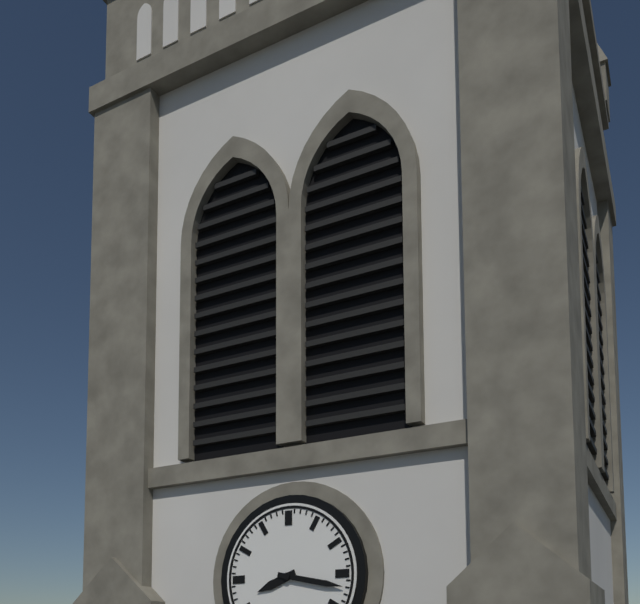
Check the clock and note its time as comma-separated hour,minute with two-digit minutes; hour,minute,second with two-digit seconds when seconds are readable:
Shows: 8,17
